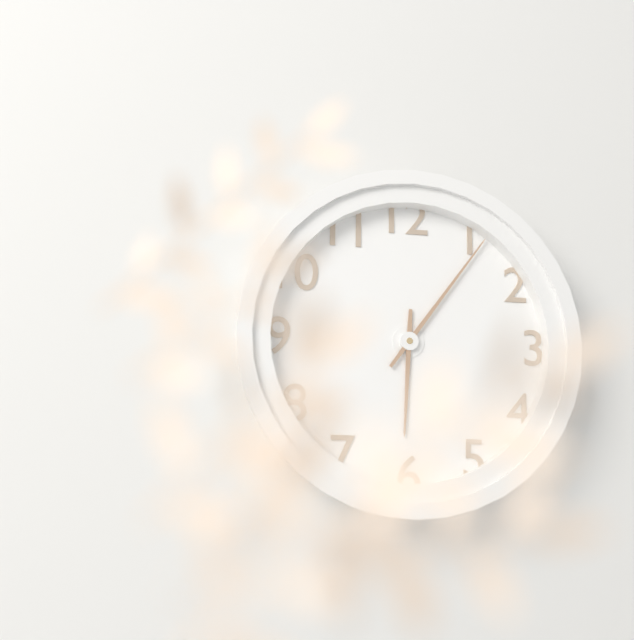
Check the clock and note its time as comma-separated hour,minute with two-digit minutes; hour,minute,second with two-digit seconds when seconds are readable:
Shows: 6,06
